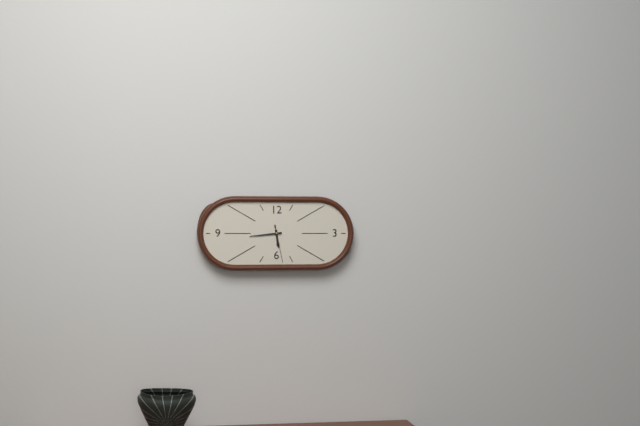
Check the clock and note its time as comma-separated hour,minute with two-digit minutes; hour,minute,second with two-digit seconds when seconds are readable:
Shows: 5,44
